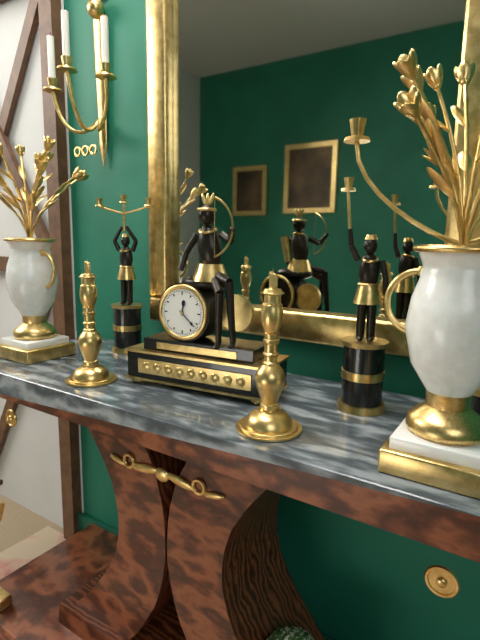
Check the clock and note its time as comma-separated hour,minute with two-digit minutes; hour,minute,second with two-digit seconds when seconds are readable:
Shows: 12,22
